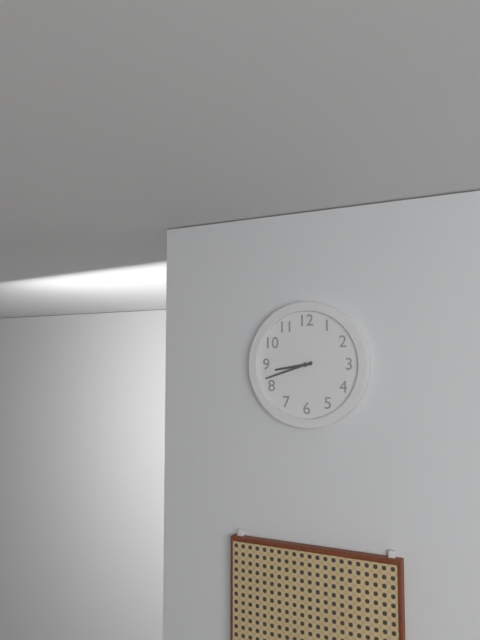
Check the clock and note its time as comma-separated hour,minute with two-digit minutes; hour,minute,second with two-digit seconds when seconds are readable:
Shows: 8,42
